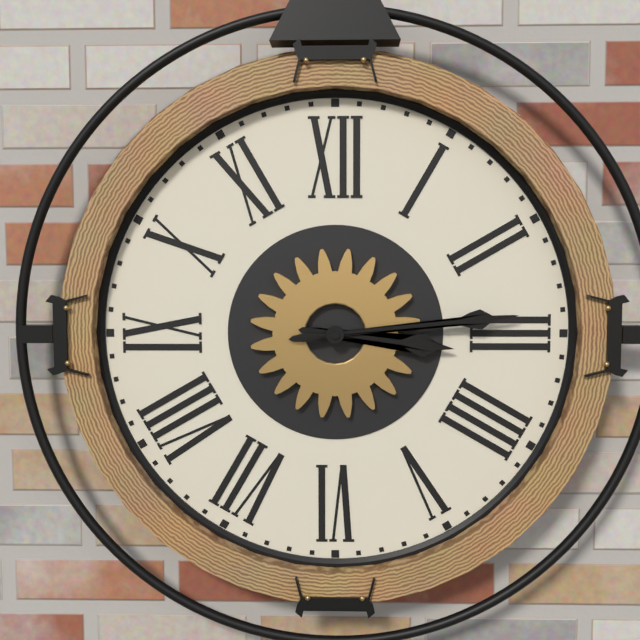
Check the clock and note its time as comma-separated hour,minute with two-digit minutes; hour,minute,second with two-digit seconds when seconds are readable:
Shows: 3,14
